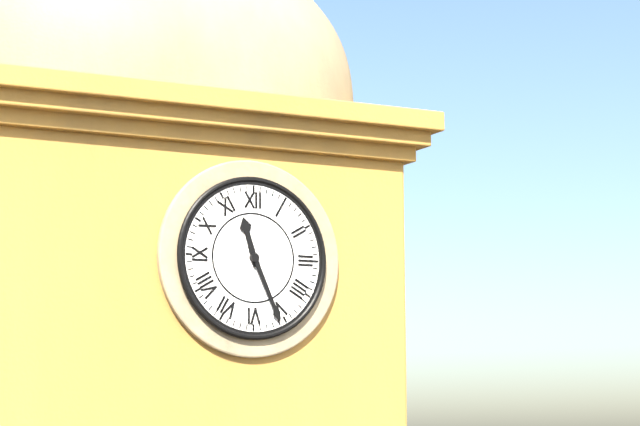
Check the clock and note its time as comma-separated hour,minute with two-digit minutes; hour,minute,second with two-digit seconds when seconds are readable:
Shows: 11,26
